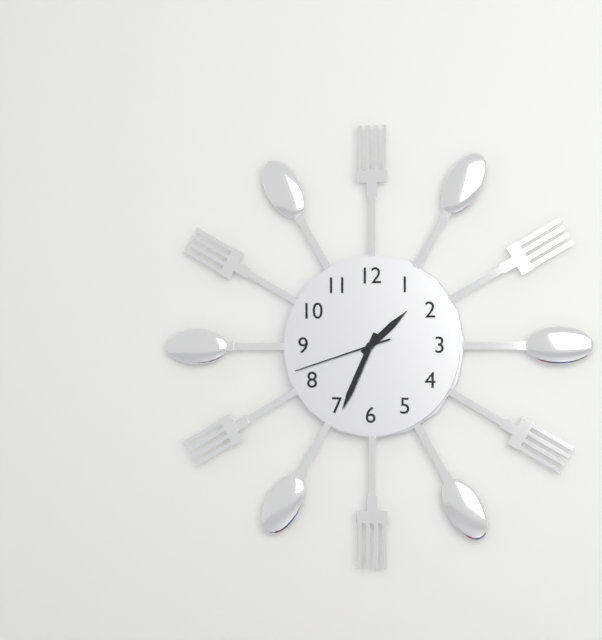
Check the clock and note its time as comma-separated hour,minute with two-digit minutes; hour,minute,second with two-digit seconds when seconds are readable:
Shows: 1,34,42
